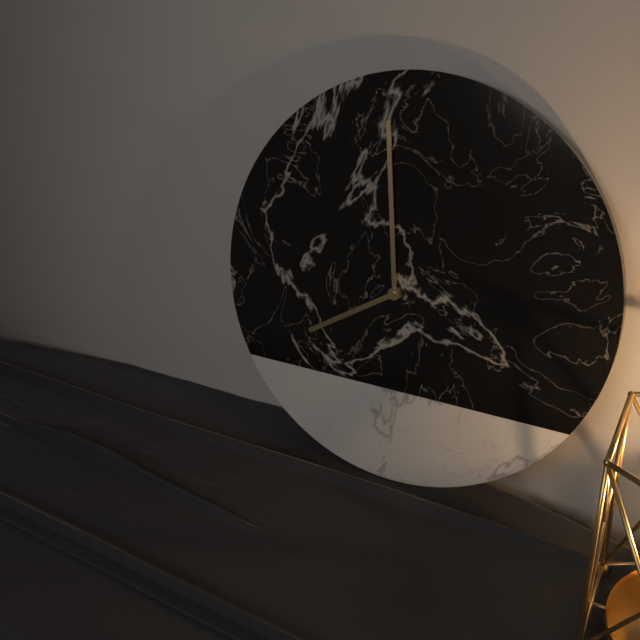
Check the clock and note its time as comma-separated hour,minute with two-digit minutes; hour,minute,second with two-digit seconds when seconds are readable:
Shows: 7,59
